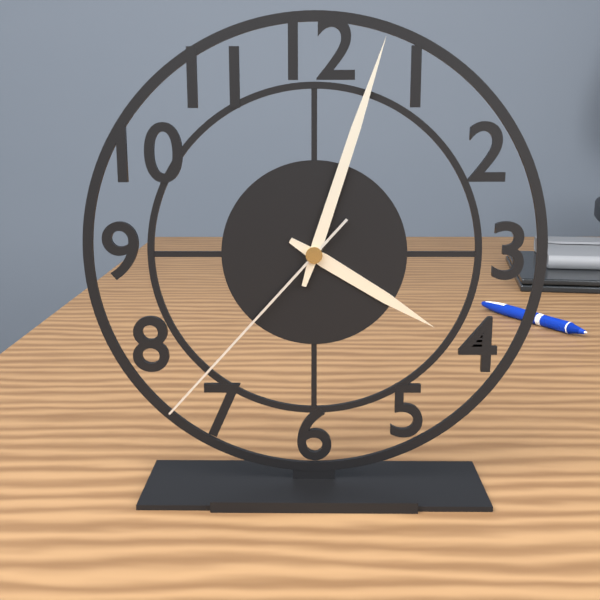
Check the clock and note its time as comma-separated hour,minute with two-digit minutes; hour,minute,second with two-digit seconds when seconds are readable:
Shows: 4,03,37
